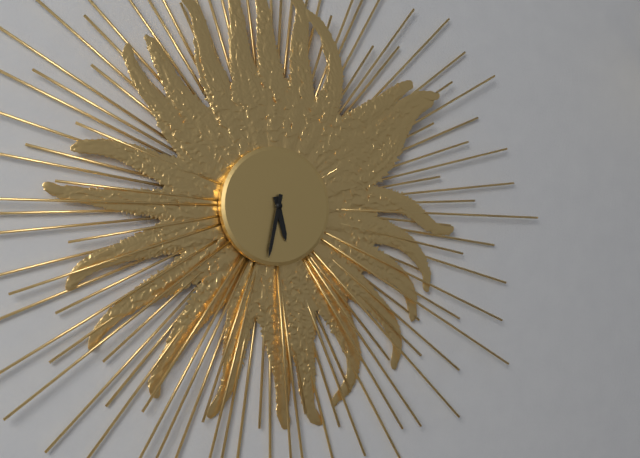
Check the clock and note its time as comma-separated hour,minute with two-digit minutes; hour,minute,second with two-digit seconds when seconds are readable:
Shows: 5,32
